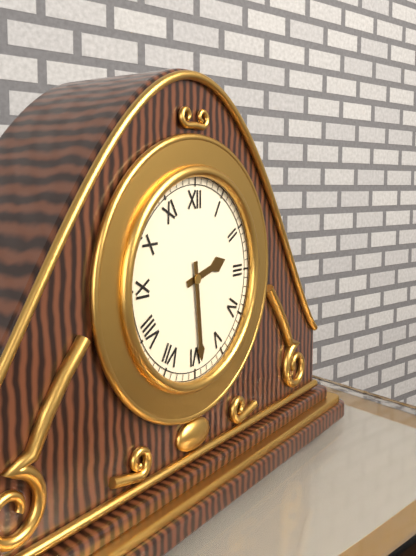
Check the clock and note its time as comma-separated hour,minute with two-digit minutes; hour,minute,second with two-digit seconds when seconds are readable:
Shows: 2,29
